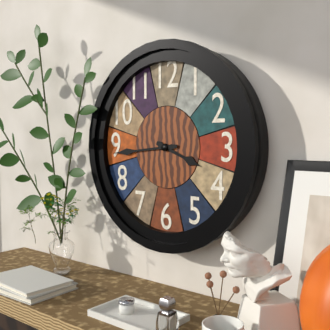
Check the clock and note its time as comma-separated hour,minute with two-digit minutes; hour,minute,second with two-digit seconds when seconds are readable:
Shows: 3,44
